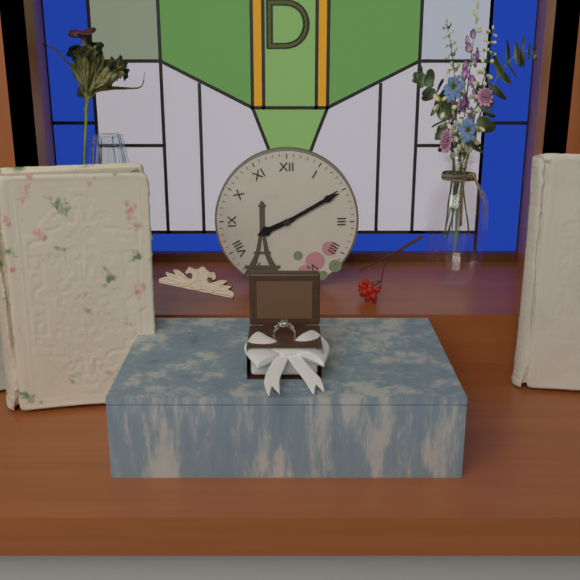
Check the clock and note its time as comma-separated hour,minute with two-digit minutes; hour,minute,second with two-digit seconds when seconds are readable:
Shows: 8,10
